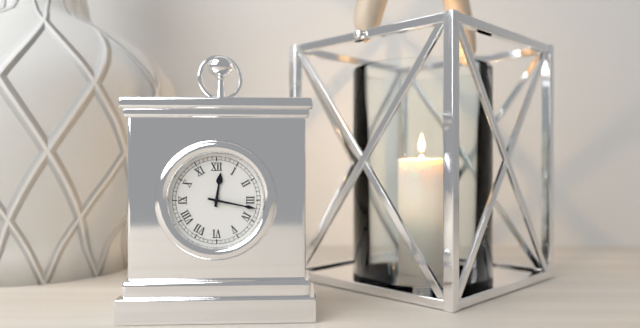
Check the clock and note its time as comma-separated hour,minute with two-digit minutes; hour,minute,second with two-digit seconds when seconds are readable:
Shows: 12,17
